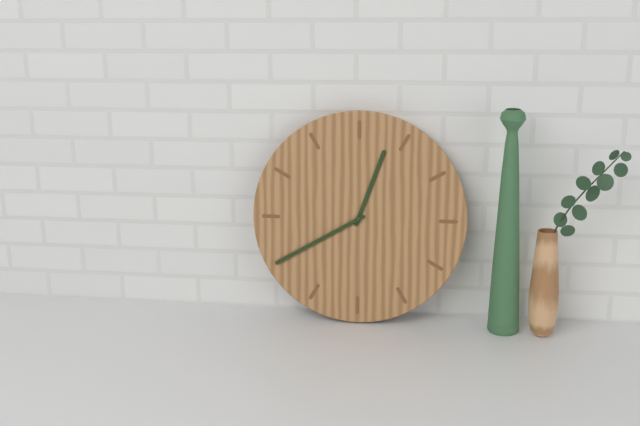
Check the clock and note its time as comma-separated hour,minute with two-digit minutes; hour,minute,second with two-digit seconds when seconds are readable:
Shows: 12,40
